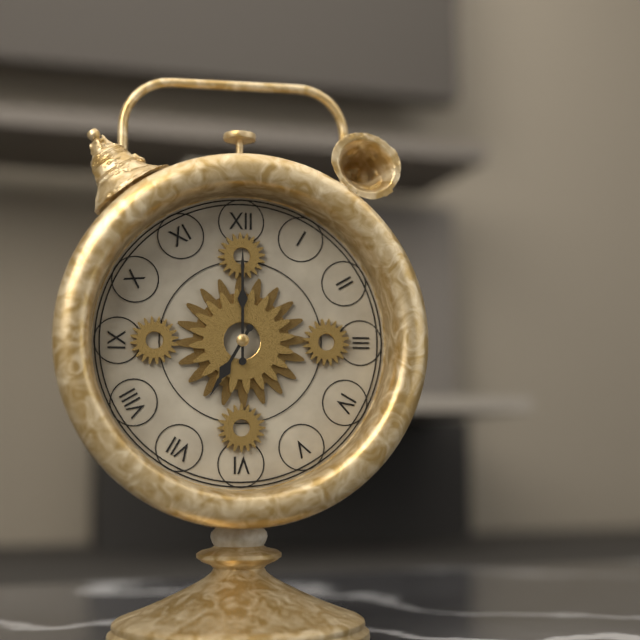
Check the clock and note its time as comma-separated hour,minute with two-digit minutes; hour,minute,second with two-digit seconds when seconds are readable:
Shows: 7,00
